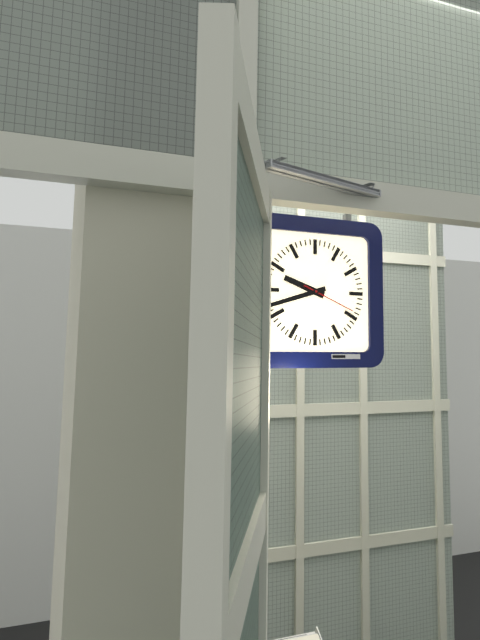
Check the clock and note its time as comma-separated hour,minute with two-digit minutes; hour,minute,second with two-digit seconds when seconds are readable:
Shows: 9,42,19
